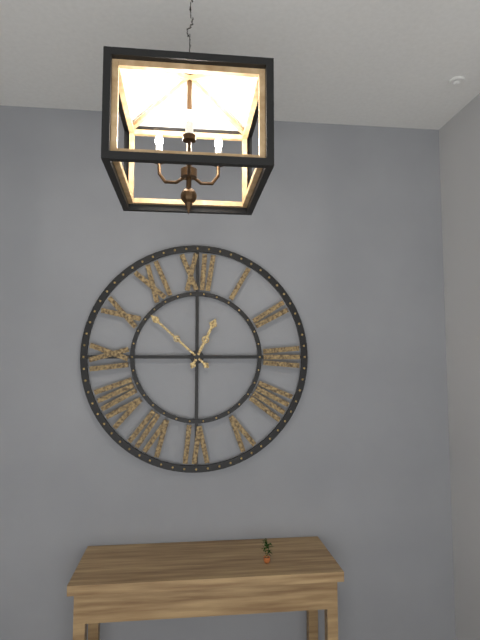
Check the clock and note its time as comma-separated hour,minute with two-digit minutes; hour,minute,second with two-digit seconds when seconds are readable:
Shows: 12,52
